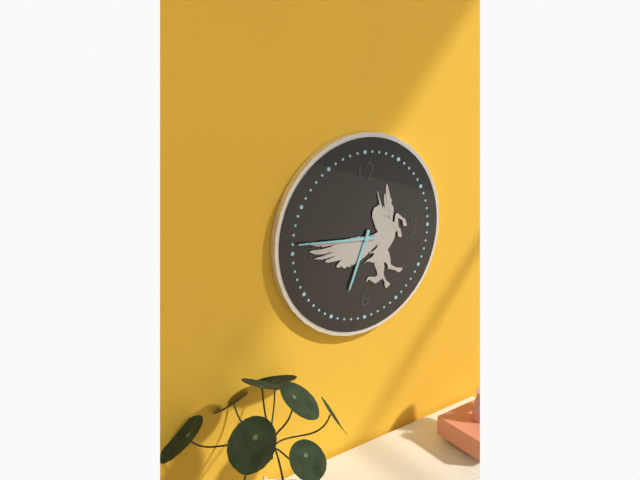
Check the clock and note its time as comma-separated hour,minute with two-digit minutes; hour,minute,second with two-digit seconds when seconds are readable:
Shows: 6,46
